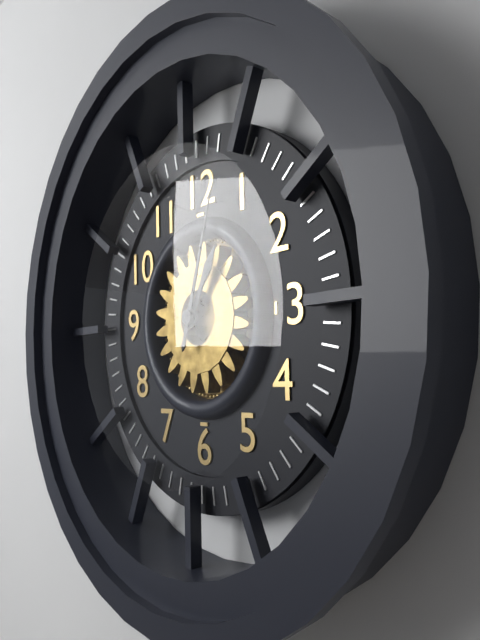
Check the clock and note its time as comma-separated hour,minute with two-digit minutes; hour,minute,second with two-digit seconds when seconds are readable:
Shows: 1,03
